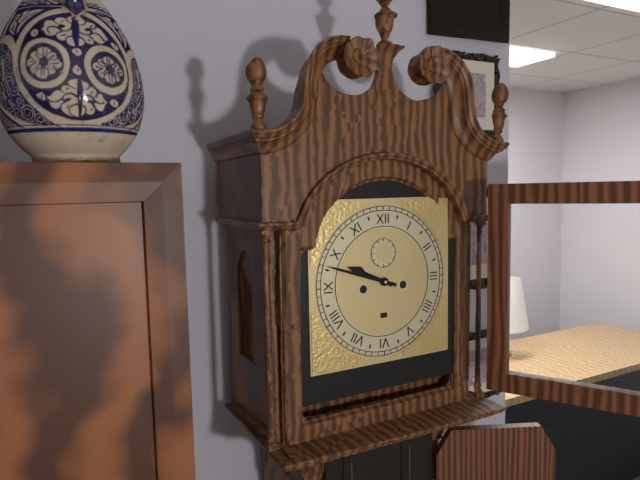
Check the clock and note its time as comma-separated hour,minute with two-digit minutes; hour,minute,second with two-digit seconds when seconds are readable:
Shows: 9,48
